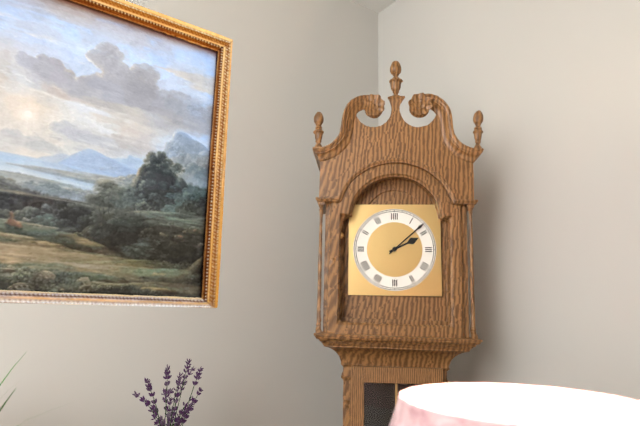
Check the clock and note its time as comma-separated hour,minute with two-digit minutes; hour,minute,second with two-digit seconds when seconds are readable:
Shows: 2,08
